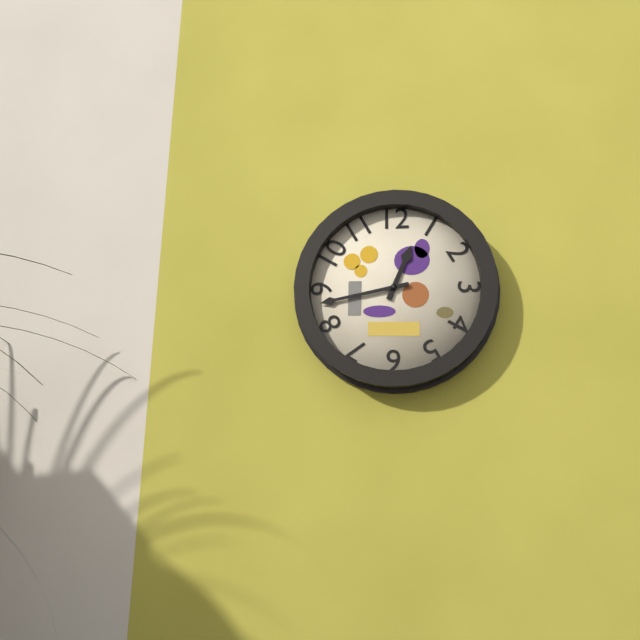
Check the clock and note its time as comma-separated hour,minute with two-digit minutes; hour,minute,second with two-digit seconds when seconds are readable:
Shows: 12,43
